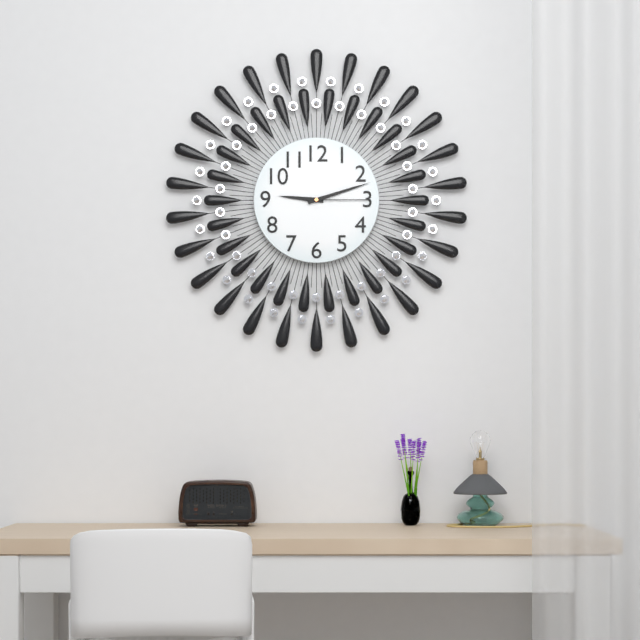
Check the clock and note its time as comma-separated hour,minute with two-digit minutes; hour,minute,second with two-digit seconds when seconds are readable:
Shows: 9,12,15
